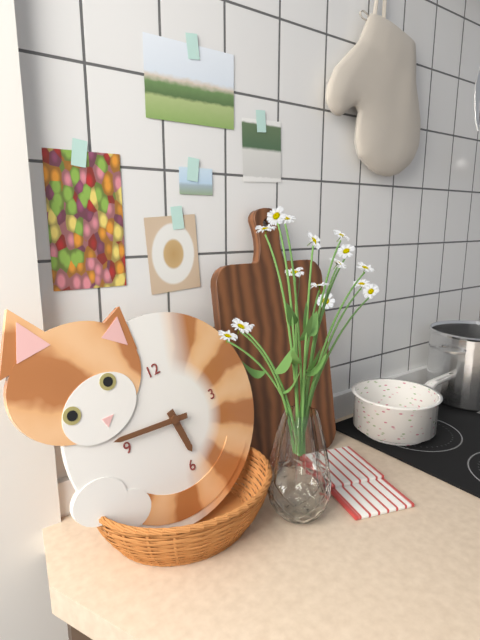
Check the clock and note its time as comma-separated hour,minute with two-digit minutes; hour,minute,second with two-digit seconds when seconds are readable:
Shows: 5,47
